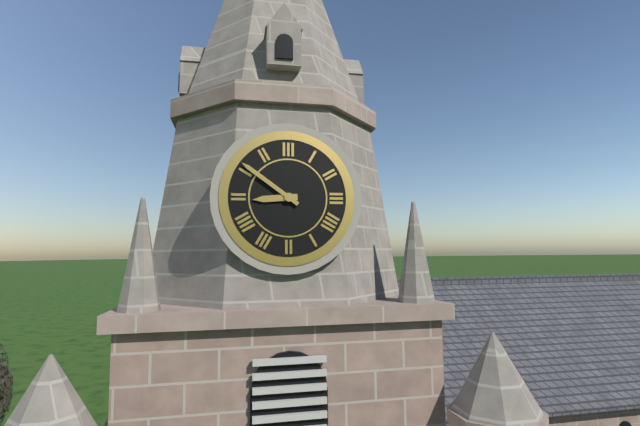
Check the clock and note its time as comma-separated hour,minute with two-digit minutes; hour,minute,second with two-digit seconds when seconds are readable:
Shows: 8,51
